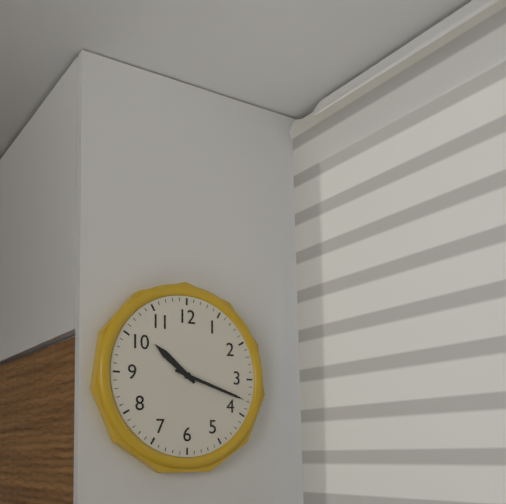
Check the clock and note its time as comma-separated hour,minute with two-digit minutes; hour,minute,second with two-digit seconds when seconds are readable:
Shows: 10,18
